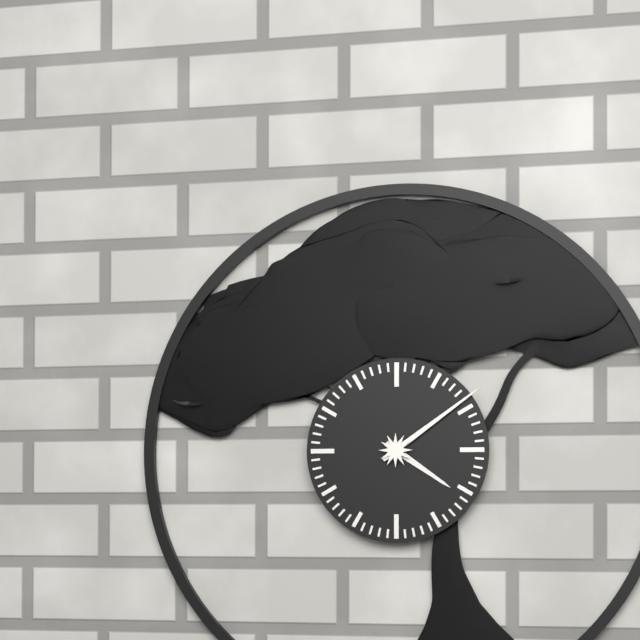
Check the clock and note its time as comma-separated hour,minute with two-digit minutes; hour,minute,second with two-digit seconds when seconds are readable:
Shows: 4,09
